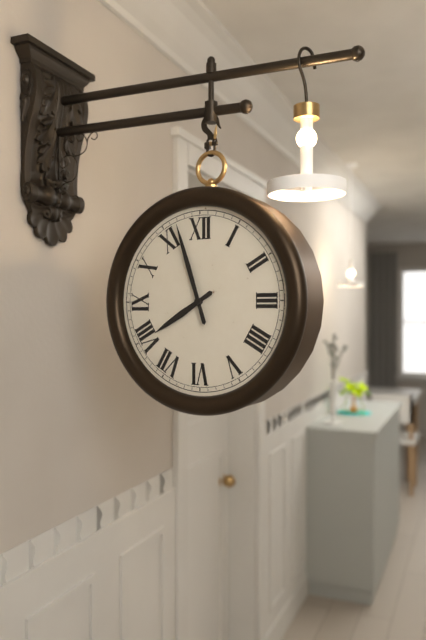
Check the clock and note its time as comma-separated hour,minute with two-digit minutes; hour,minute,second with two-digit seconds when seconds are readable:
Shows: 7,57
